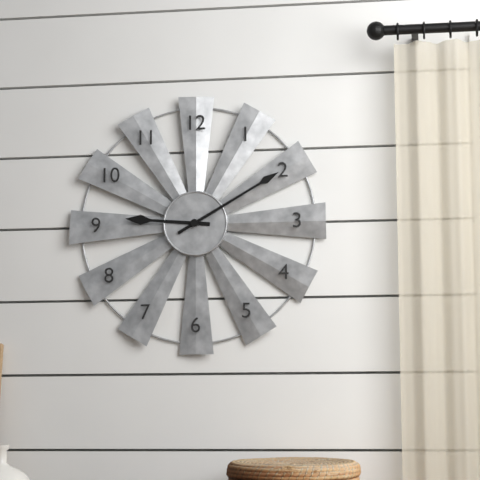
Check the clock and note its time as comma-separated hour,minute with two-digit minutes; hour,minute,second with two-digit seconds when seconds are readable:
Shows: 9,10
